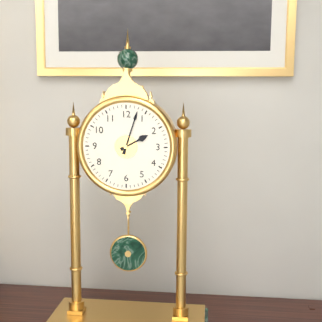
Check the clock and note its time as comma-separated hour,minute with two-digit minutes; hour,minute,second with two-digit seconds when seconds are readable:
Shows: 2,03
